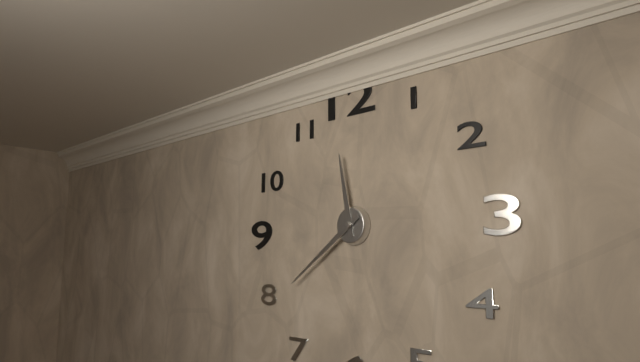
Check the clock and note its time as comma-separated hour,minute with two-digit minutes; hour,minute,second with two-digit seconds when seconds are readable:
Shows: 11,39
